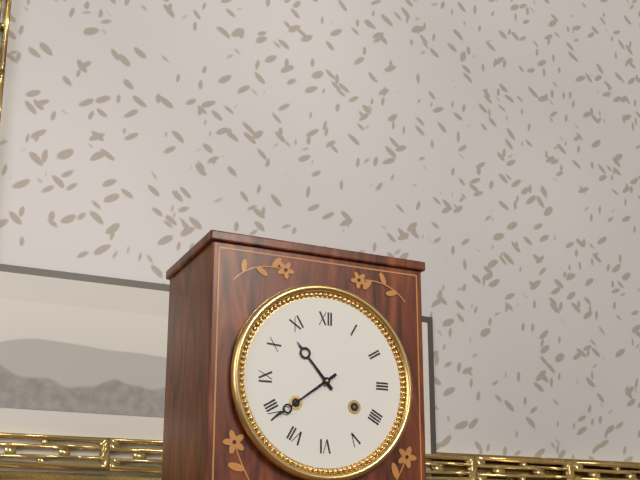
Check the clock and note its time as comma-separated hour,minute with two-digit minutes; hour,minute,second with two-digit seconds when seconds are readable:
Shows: 10,39
